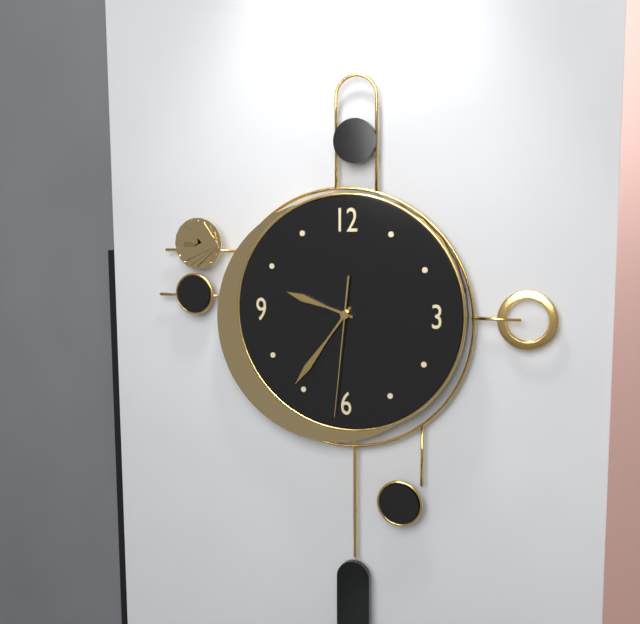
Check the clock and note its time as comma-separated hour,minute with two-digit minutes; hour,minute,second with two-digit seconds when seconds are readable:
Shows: 9,36,31
